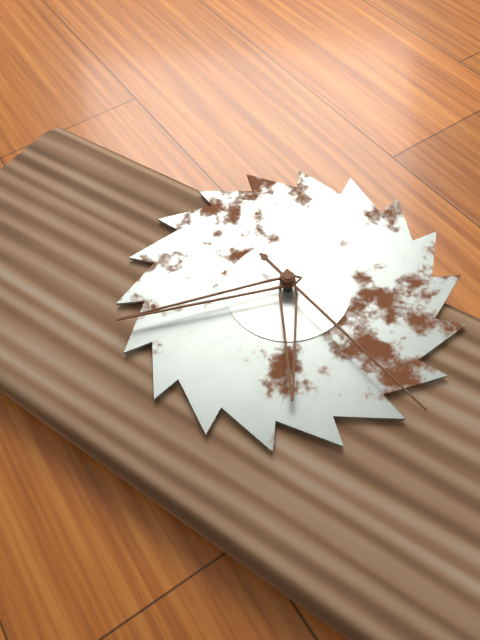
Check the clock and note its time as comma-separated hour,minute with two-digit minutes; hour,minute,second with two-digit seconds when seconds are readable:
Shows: 7,52,33
